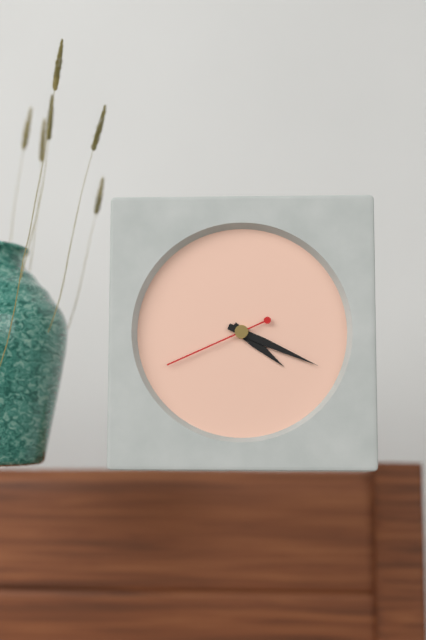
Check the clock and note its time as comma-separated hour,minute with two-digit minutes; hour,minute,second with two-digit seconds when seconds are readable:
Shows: 4,19,41
